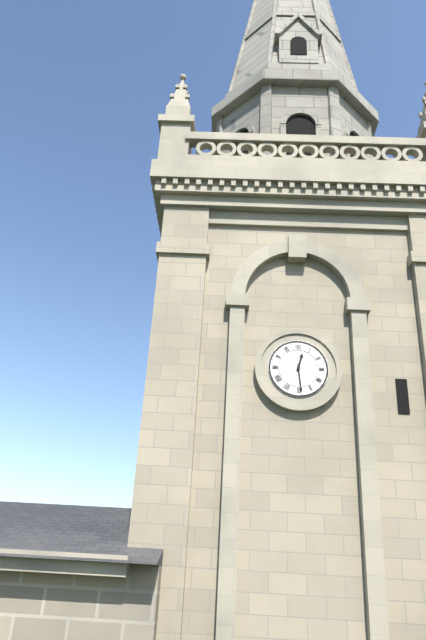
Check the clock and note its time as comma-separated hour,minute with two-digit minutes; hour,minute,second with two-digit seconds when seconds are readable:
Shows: 12,29
